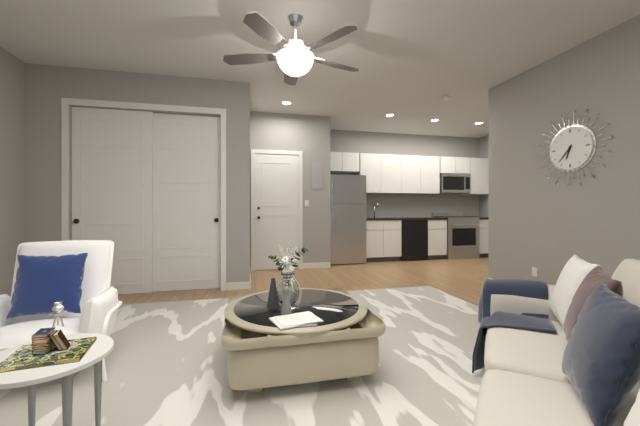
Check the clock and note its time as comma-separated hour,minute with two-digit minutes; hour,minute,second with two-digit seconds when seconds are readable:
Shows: 6,37
